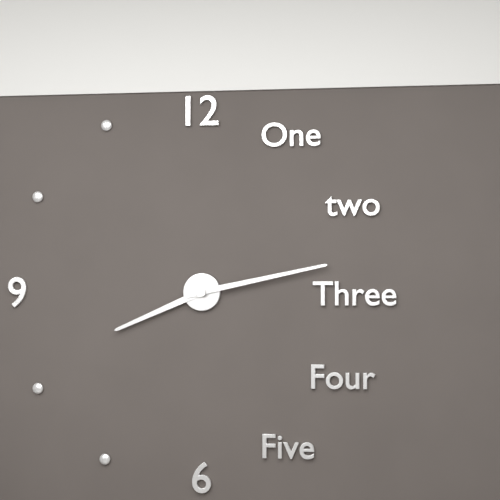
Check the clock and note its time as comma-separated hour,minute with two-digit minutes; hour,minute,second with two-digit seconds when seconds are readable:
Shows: 8,13
